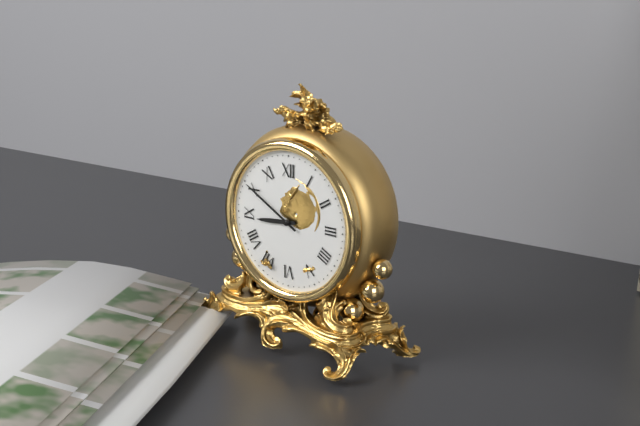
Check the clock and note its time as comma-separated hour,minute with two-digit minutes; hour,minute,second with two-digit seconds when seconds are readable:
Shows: 8,50
